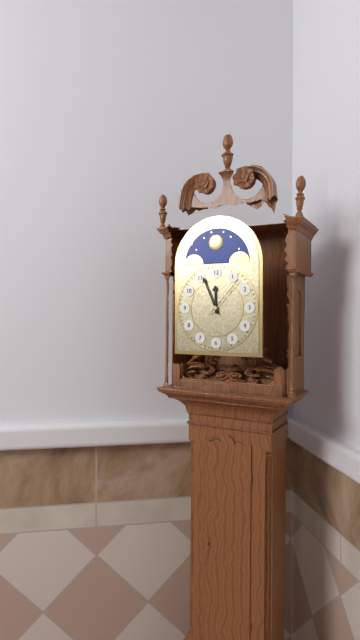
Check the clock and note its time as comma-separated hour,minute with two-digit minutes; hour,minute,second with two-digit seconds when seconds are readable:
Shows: 11,56
